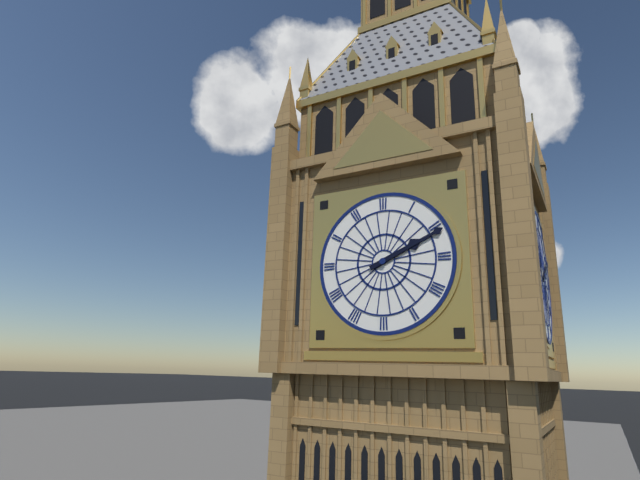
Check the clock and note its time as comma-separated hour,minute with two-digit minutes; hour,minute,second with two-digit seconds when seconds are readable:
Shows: 2,11
